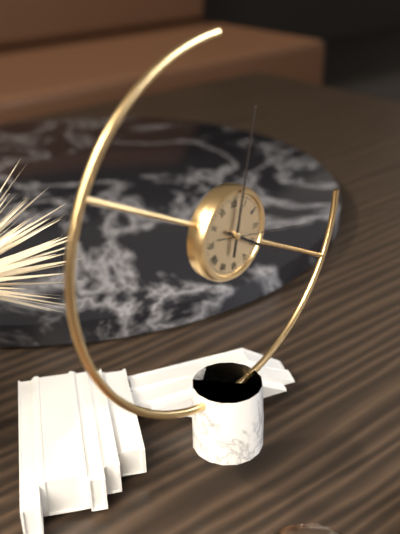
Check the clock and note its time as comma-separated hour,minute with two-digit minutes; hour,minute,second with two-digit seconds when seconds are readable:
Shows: 4,02,17
